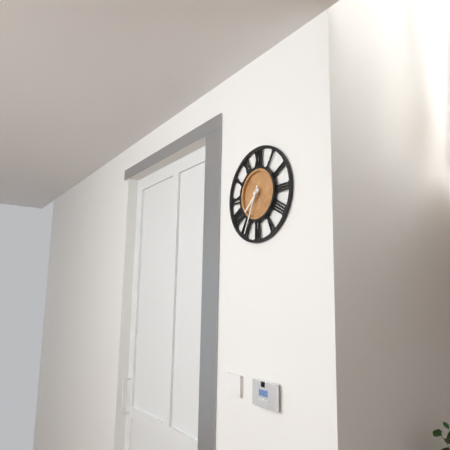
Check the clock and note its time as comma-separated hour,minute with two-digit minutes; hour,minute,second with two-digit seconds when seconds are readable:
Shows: 7,34
